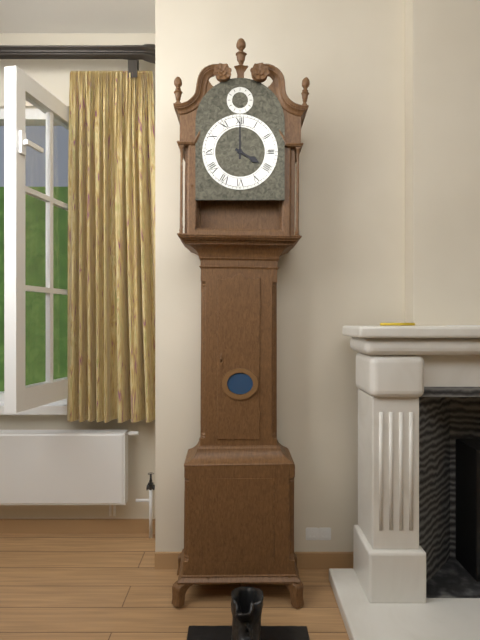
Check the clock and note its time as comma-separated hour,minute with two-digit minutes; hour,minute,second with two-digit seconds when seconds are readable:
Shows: 4,00
